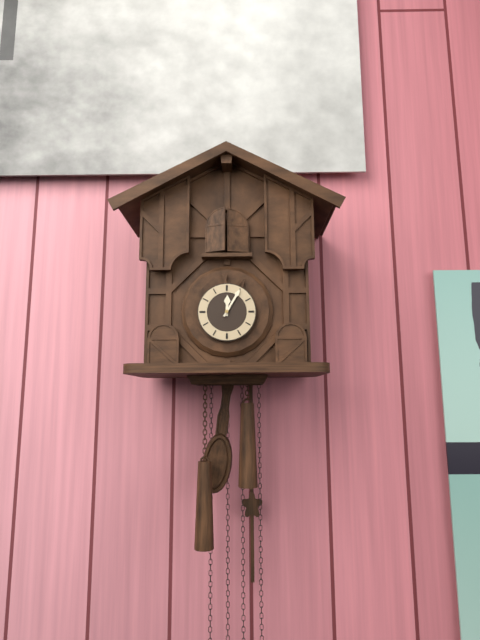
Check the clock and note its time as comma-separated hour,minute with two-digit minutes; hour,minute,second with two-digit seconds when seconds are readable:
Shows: 12,05
